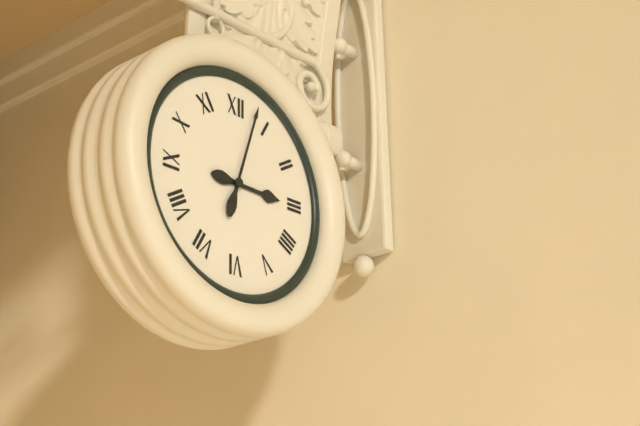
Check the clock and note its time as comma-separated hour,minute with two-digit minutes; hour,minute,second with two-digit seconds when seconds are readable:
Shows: 3,03
